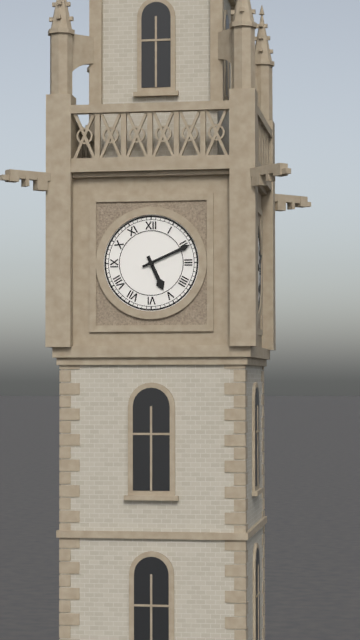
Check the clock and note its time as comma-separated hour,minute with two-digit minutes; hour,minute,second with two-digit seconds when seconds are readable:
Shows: 5,11
